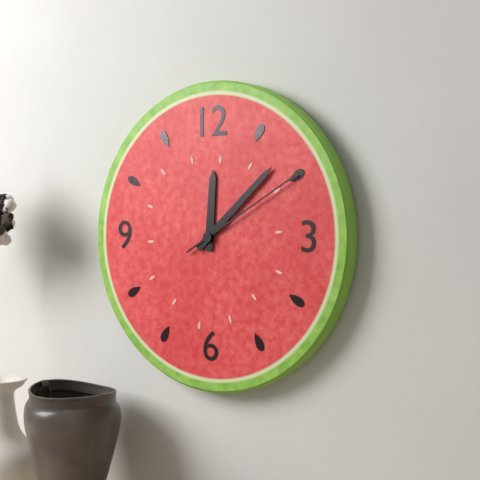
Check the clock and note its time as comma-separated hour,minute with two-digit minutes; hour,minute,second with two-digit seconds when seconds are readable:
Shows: 12,08,10
